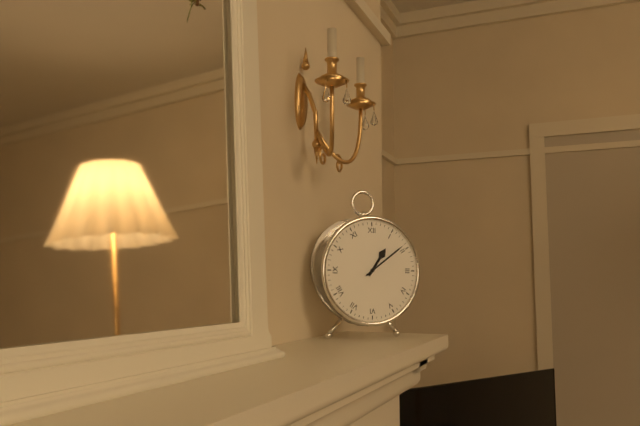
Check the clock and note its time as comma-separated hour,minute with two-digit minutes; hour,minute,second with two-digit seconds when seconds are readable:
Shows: 1,09
